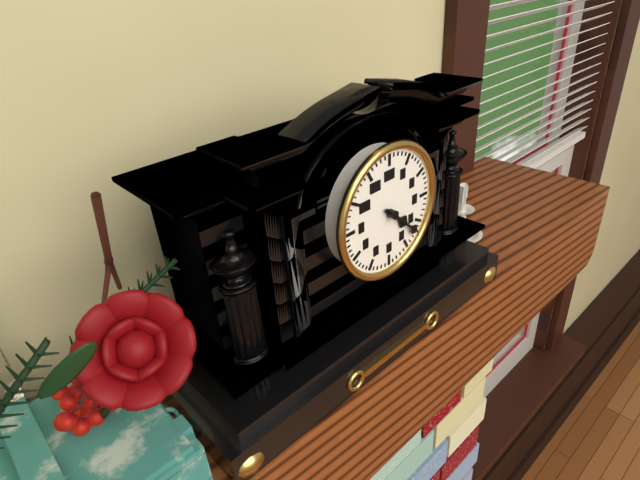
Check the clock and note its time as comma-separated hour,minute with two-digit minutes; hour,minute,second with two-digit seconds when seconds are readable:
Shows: 4,22
